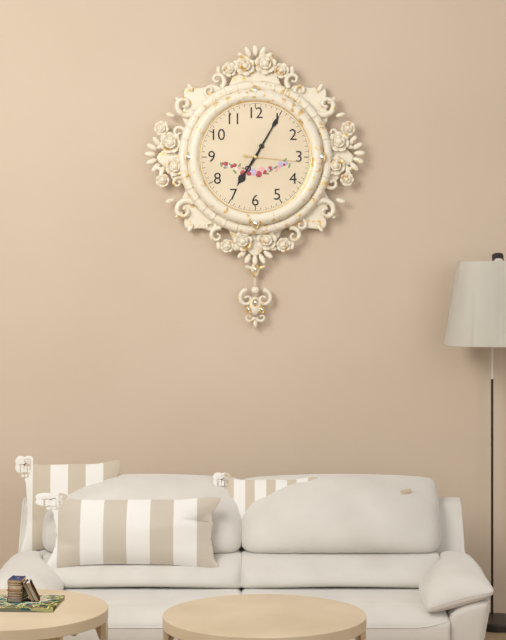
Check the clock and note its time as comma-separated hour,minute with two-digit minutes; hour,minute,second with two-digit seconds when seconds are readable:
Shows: 7,05,16
